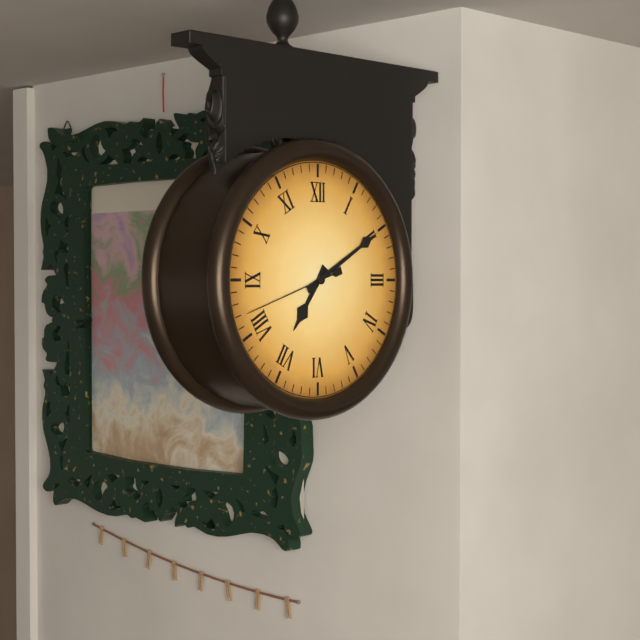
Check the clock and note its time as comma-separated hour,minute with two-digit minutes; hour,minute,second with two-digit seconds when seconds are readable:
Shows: 7,10,42
